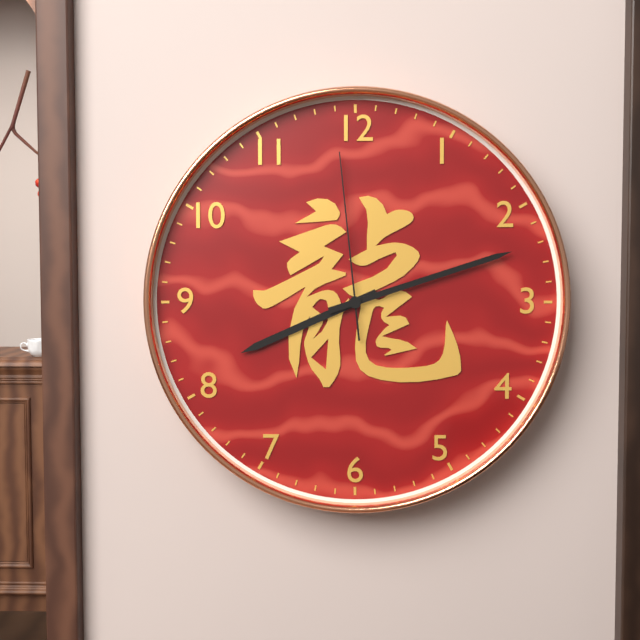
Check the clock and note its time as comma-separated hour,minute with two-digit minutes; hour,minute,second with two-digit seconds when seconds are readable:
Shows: 8,12,59
